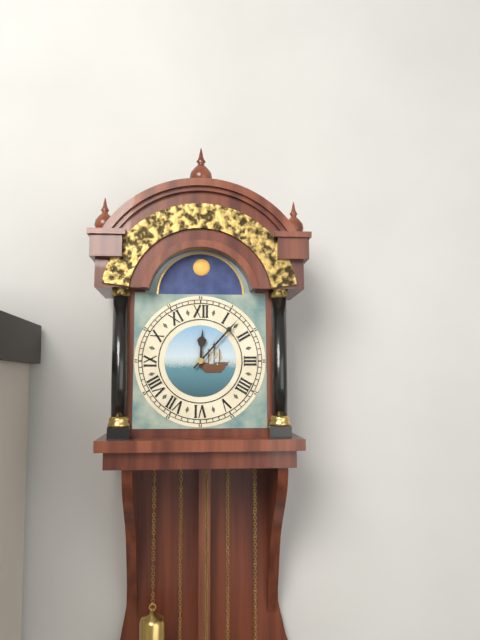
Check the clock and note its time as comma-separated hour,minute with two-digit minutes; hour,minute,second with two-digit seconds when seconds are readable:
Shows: 12,07
